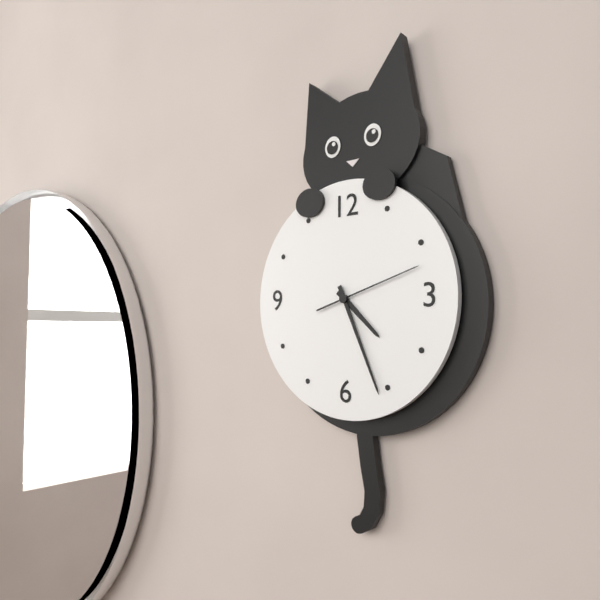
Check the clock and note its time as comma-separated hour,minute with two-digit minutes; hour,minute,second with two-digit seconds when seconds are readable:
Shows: 4,26,12
